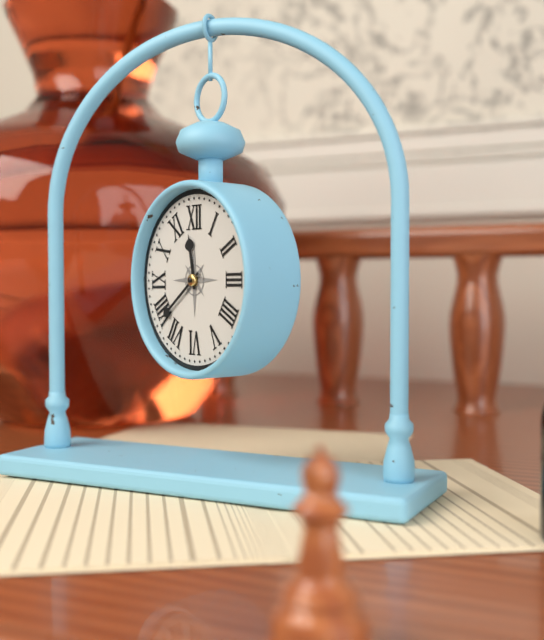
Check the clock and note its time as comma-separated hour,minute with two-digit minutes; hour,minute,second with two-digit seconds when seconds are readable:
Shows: 11,39
